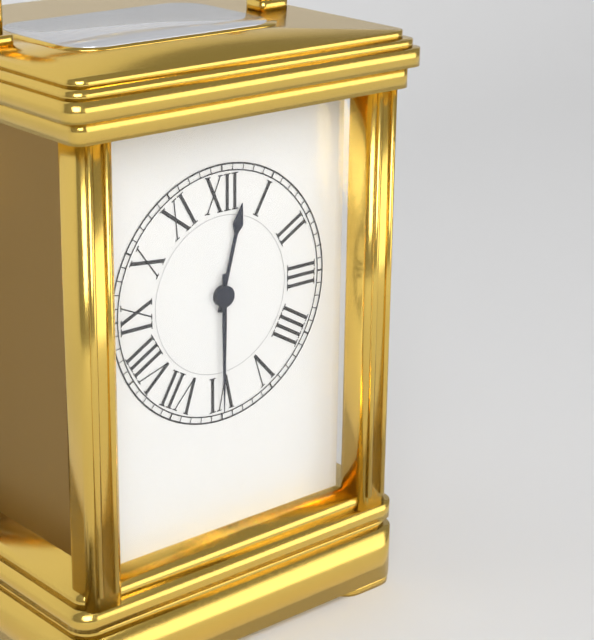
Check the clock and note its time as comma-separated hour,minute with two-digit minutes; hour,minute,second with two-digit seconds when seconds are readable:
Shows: 12,30
